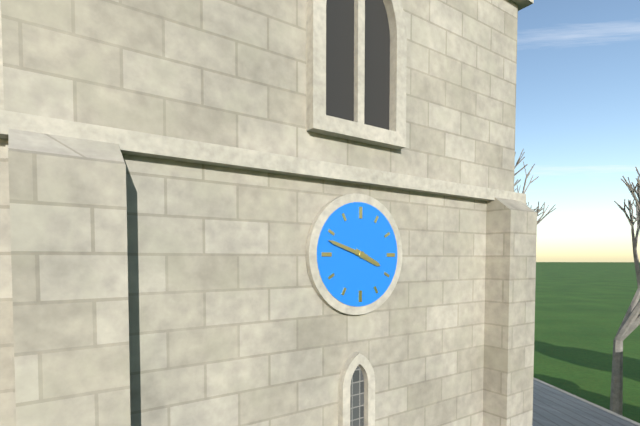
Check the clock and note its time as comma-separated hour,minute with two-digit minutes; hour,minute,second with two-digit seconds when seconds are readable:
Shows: 3,48
